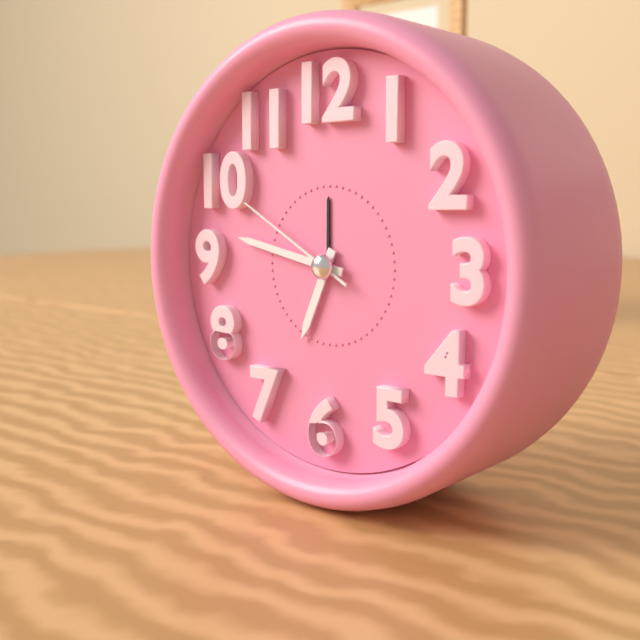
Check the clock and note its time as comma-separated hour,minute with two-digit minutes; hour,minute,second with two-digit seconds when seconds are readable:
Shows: 6,47,50
